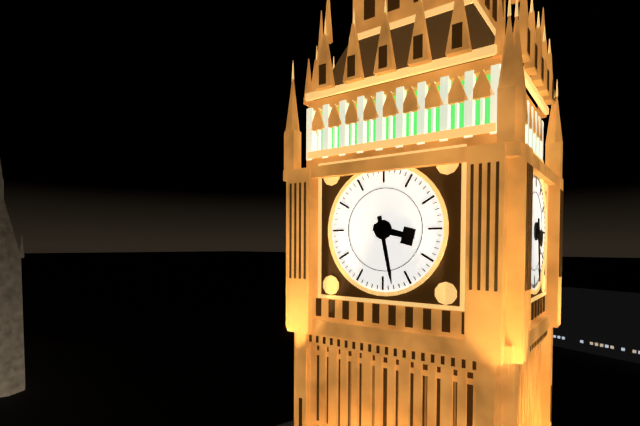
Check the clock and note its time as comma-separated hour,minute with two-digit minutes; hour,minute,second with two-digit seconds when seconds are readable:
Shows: 3,28
